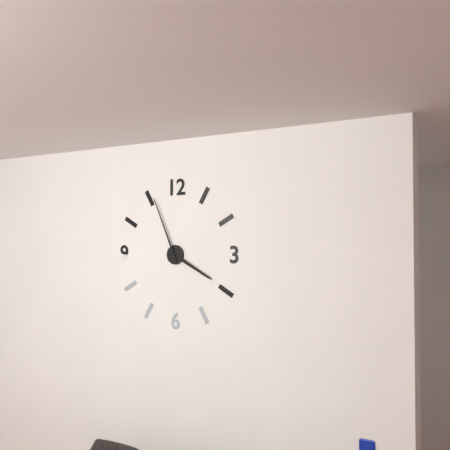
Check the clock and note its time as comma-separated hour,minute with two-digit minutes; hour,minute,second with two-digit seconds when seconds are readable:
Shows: 3,56
